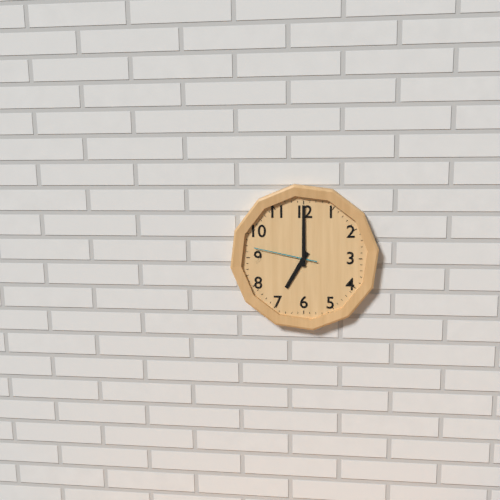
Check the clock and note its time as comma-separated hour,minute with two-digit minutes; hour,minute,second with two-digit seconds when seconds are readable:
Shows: 7,00,47
